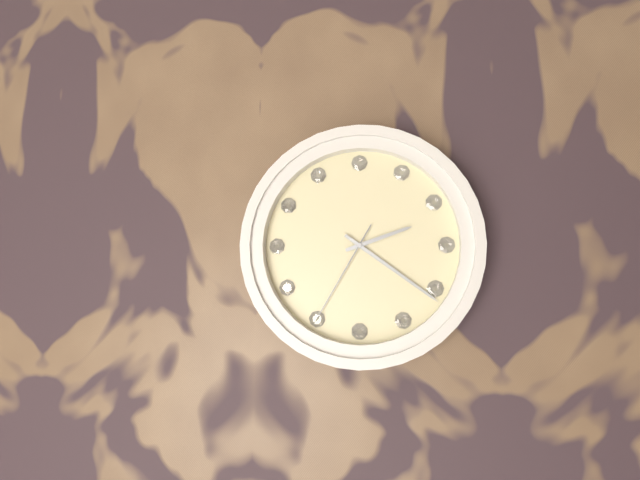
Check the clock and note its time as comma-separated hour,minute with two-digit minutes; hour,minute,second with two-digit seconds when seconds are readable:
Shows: 2,21,35
